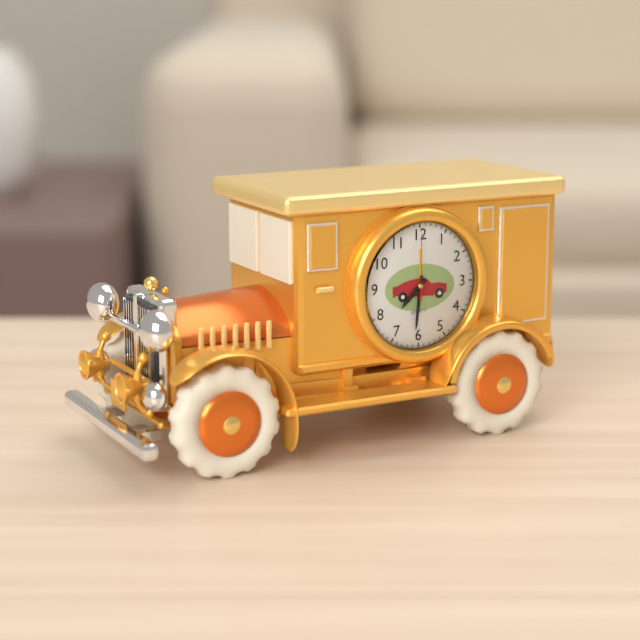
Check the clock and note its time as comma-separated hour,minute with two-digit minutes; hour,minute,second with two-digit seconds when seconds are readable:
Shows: 7,31,00
